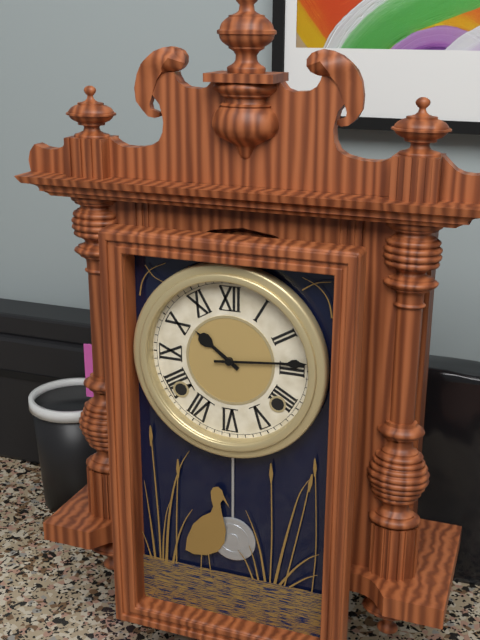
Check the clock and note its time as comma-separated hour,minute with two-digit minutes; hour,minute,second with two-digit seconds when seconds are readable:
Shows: 10,14
